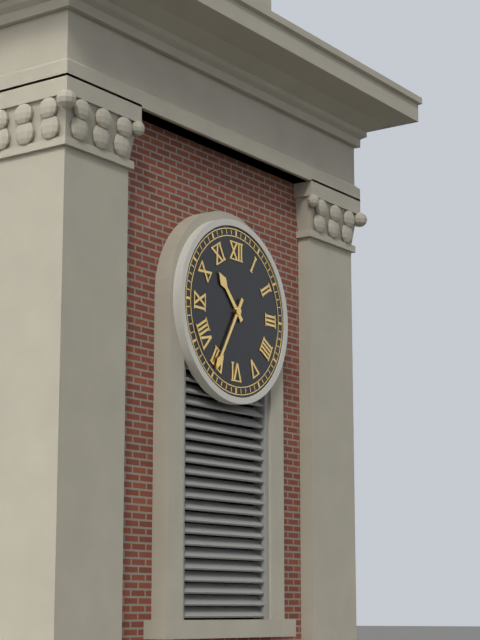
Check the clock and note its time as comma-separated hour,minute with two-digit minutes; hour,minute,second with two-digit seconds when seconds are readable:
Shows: 10,35
